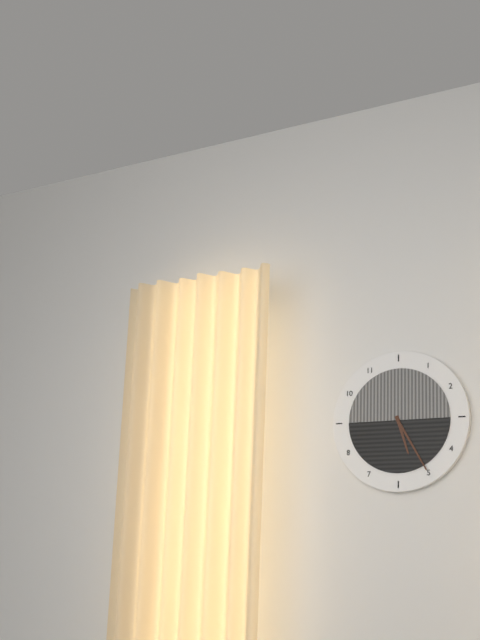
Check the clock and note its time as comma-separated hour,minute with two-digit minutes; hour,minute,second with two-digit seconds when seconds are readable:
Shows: 5,25
